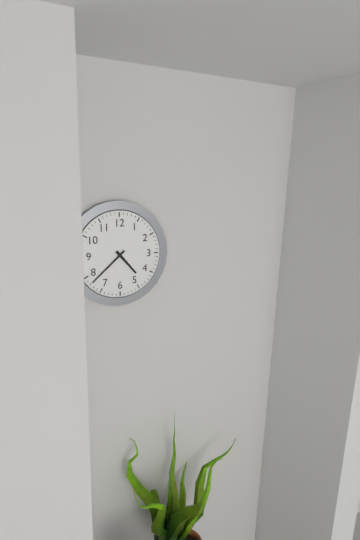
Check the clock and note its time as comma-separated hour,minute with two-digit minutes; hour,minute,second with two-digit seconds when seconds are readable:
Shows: 4,38
